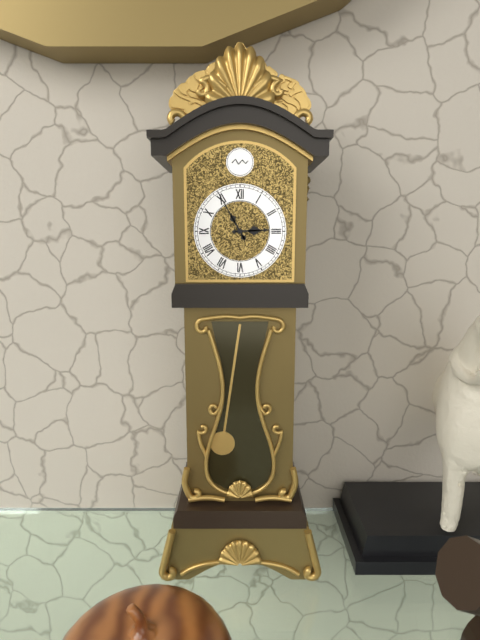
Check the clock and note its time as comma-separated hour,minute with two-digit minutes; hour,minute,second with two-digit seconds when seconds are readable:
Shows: 2,55
